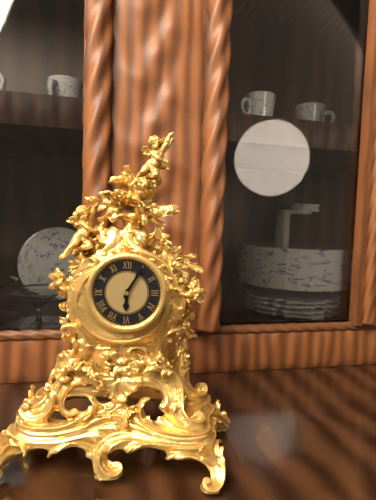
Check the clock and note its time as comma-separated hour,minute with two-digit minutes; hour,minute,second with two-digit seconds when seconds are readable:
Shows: 6,05
